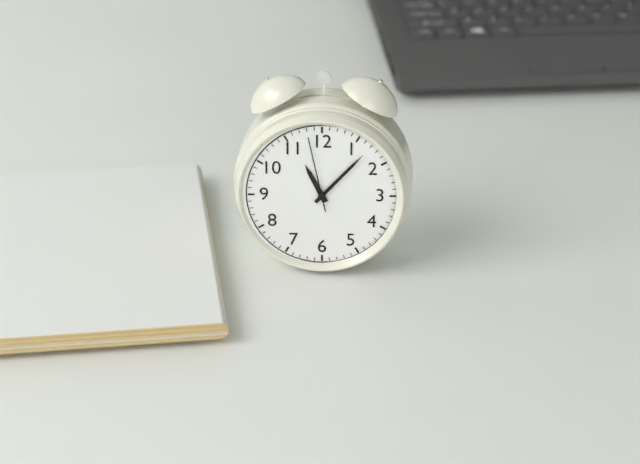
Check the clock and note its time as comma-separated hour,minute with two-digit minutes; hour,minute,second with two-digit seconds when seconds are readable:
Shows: 11,07,58
